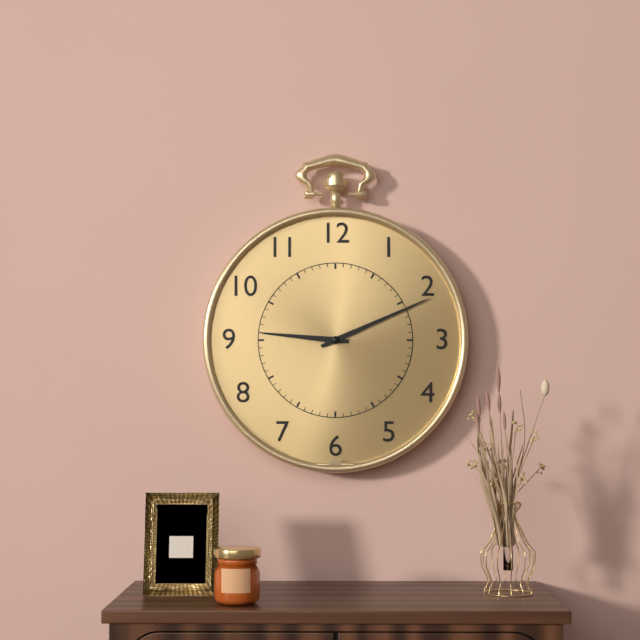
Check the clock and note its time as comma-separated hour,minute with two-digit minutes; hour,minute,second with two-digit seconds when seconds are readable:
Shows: 9,11
